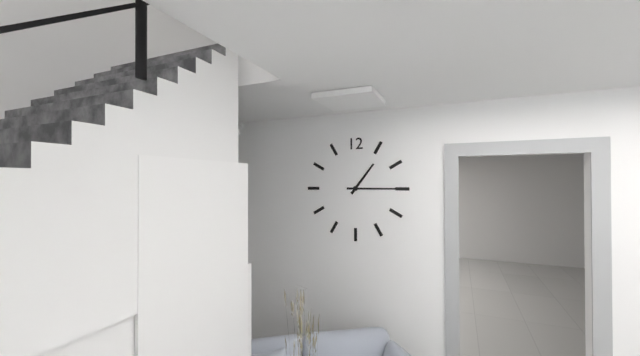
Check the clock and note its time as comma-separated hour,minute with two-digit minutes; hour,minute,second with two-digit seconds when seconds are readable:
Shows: 1,15
